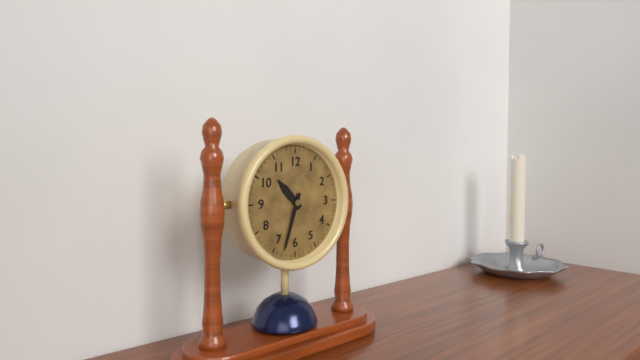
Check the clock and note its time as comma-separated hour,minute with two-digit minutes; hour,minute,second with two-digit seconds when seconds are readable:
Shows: 10,33
